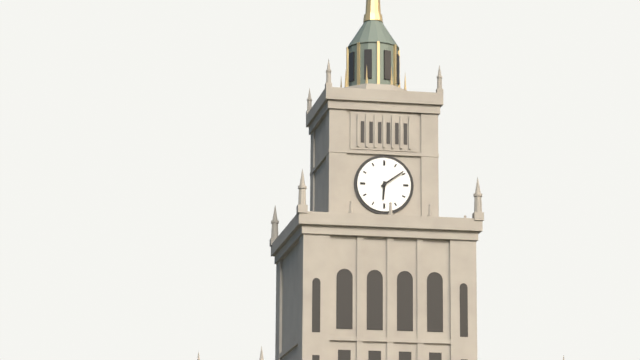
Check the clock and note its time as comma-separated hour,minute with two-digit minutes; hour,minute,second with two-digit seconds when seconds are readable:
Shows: 6,09
